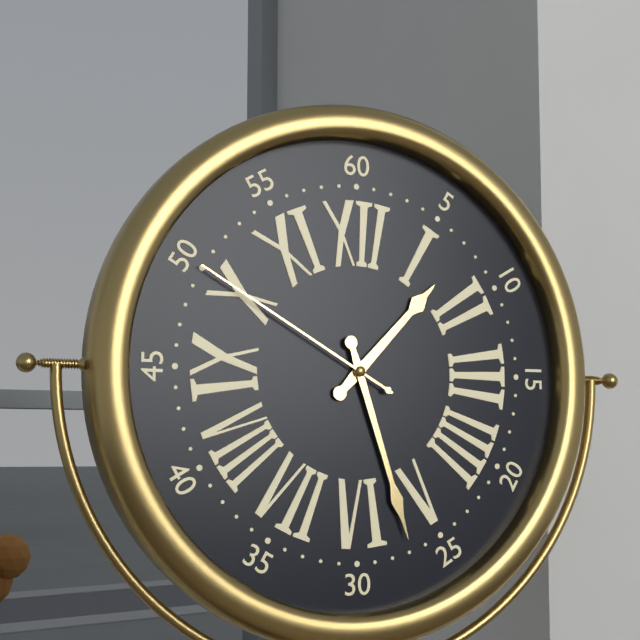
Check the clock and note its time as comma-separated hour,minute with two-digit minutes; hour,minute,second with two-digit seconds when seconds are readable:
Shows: 1,27,50
